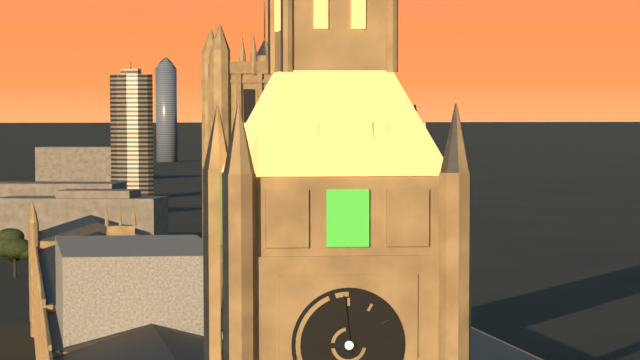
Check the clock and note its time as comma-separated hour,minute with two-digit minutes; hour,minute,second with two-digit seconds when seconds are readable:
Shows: 8,59
